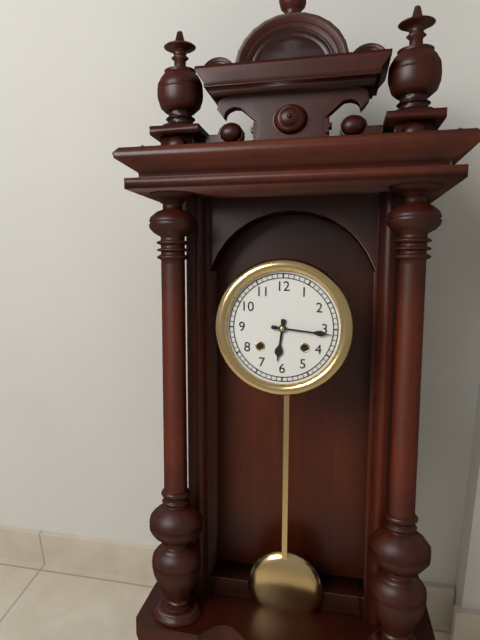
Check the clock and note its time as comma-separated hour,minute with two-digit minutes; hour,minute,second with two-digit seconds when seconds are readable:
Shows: 6,16
